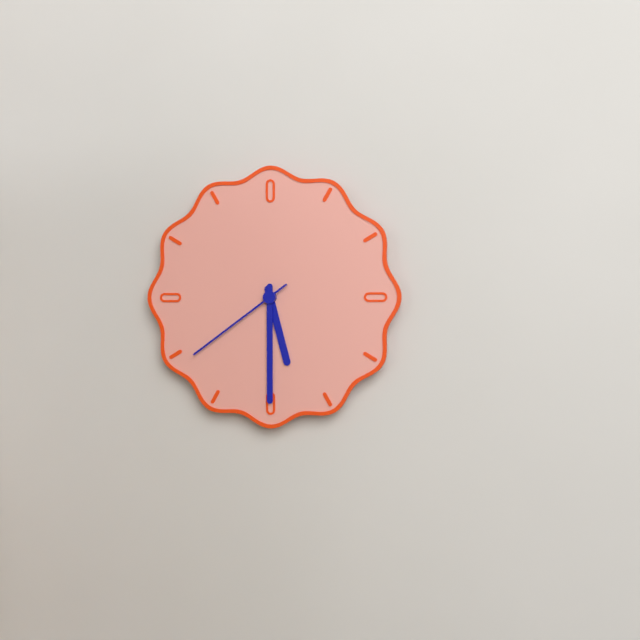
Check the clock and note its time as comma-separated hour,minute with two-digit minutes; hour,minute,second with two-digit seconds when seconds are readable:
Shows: 5,30,39
